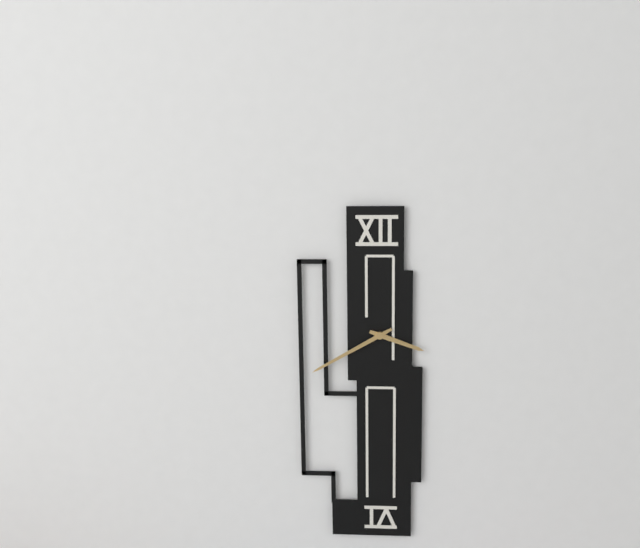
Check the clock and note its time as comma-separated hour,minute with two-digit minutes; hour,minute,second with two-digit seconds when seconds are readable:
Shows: 3,40
